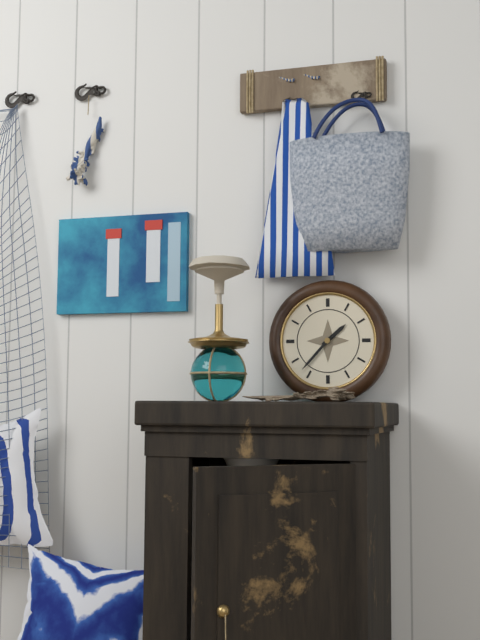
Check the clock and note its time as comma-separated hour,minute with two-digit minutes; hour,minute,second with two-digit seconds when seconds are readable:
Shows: 1,37
